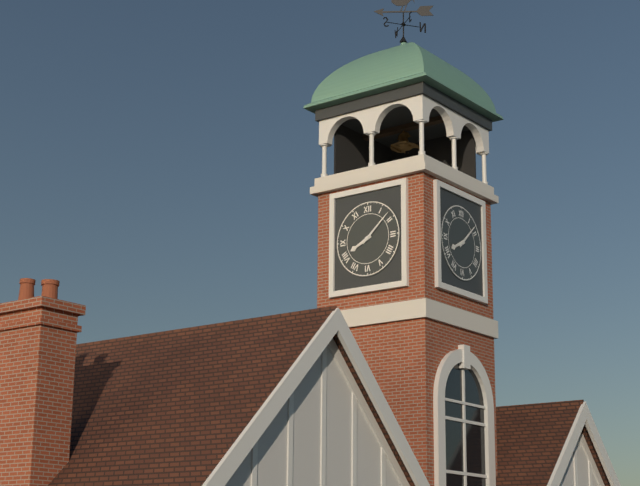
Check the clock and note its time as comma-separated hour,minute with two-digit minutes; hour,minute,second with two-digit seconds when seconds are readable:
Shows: 8,08
